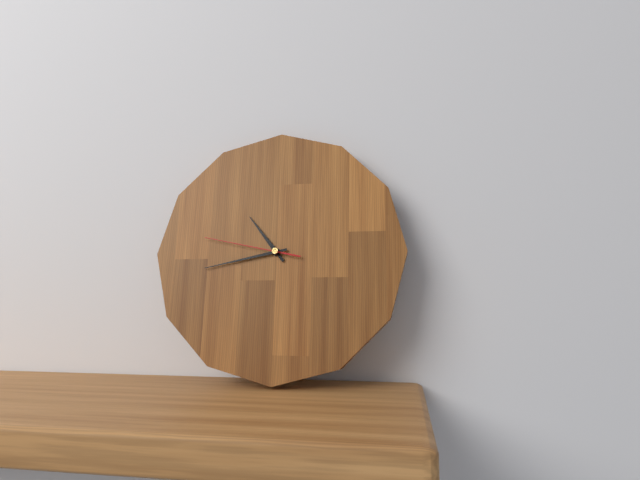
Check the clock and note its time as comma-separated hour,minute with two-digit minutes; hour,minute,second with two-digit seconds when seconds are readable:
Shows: 10,43,47
